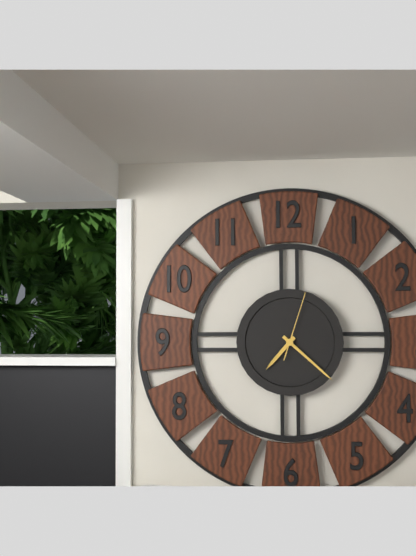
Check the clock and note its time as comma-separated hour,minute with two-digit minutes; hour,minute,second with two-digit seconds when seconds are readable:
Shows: 7,22,03
